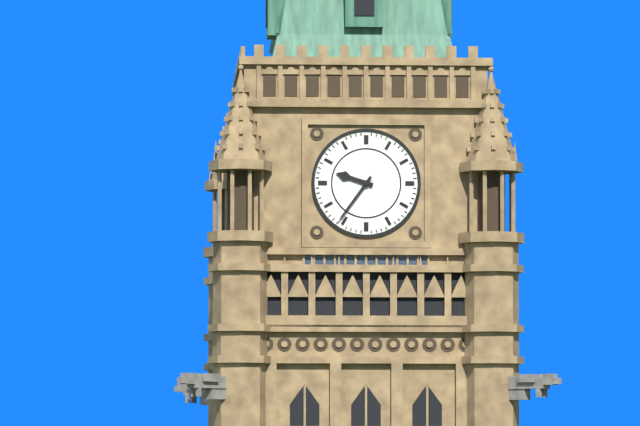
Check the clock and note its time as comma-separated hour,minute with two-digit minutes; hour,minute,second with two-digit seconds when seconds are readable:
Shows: 9,36
